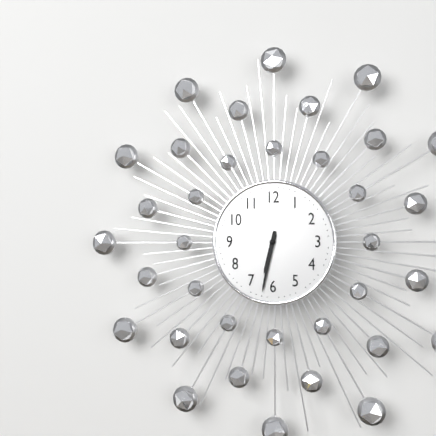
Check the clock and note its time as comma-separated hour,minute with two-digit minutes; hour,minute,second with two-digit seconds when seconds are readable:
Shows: 6,32
